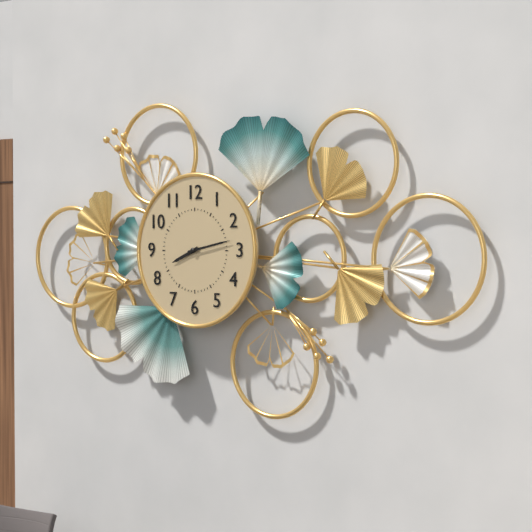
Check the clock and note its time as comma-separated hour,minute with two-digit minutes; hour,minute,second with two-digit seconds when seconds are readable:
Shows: 8,13
